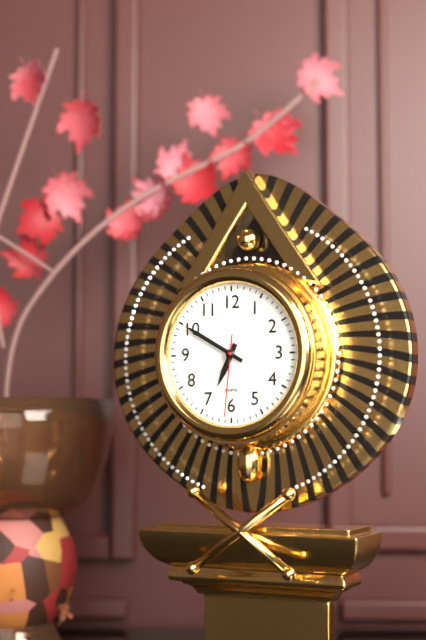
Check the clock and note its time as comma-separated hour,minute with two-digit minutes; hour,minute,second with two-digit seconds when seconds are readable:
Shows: 6,50,31
